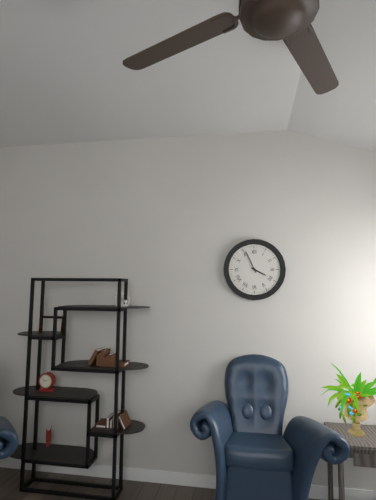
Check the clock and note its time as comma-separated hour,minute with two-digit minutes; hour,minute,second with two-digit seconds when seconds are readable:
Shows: 3,56
